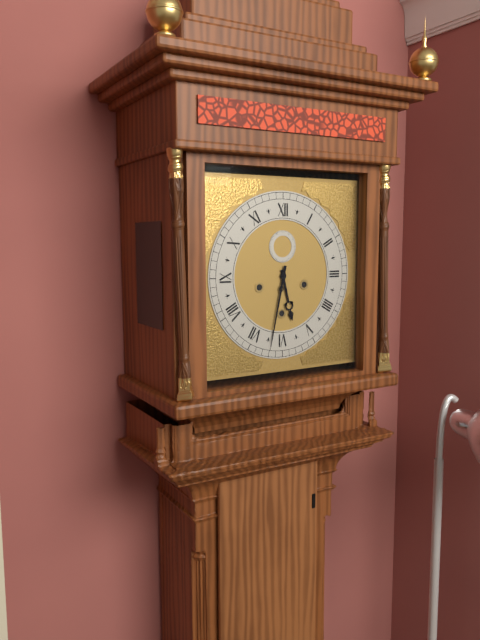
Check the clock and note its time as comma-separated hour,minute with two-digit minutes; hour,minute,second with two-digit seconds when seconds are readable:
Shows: 5,32
